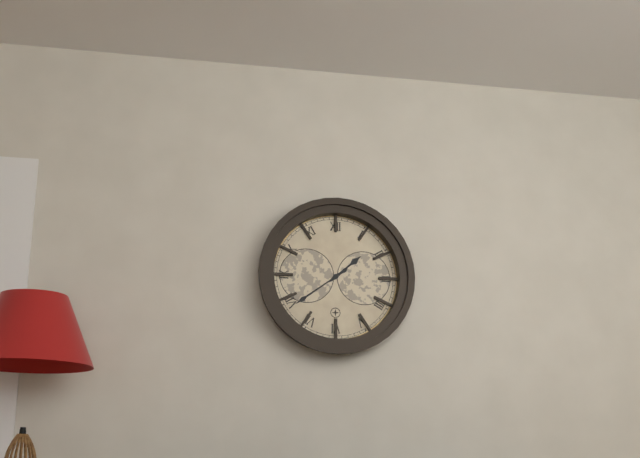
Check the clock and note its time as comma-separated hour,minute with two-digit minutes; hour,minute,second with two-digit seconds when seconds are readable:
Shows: 1,39
